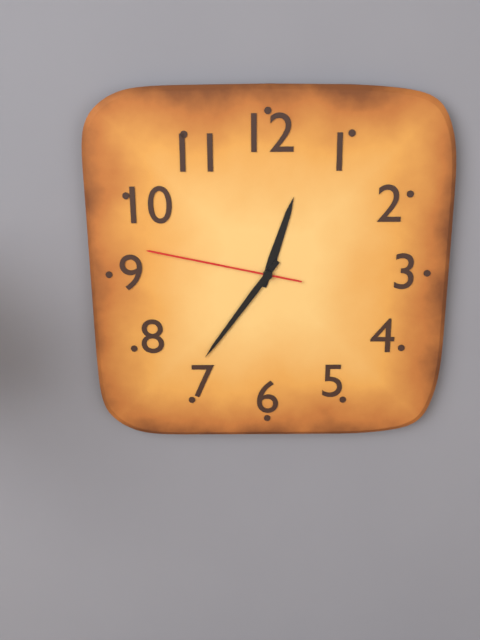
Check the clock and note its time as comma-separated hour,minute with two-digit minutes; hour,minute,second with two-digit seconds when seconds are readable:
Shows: 12,36,47
